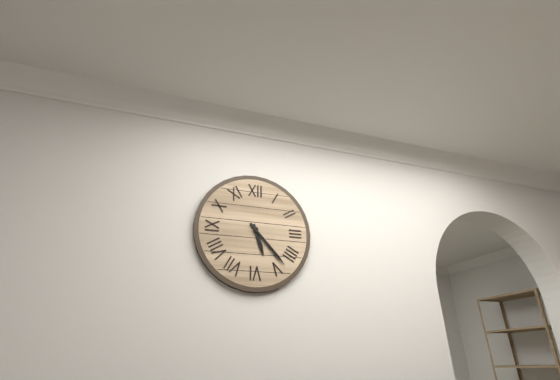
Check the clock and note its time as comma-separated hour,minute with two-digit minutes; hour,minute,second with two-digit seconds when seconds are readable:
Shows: 5,23
